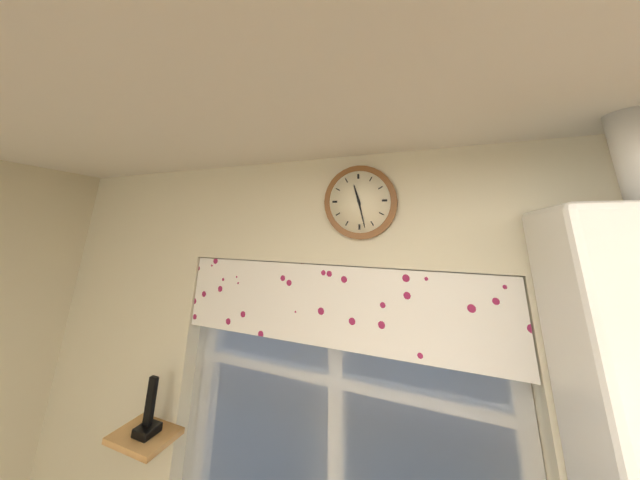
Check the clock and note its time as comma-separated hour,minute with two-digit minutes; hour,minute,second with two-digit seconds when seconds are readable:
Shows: 11,28
